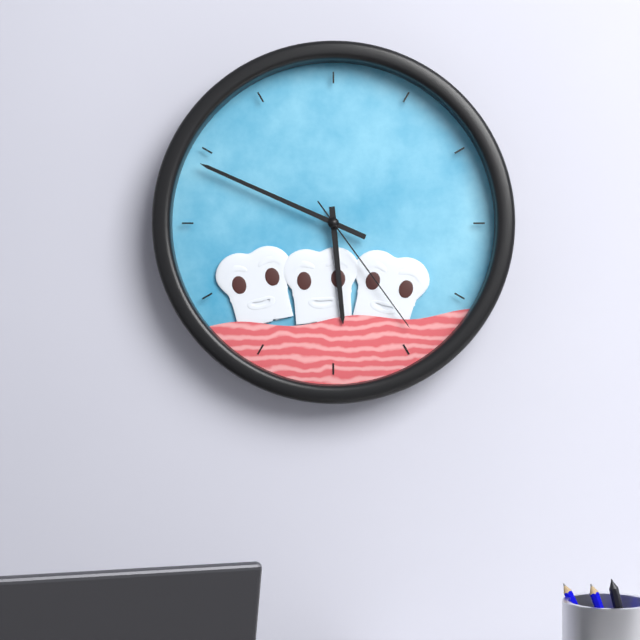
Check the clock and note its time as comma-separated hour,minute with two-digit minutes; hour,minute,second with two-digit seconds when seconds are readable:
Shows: 5,49,24
